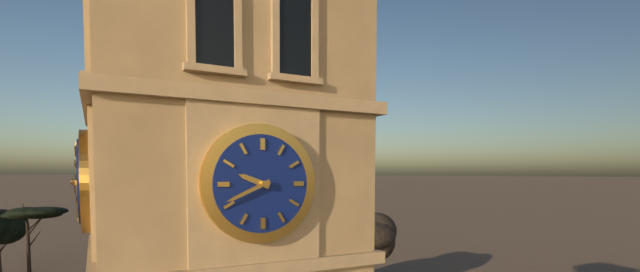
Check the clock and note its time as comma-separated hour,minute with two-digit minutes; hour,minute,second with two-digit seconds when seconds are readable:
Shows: 9,41
